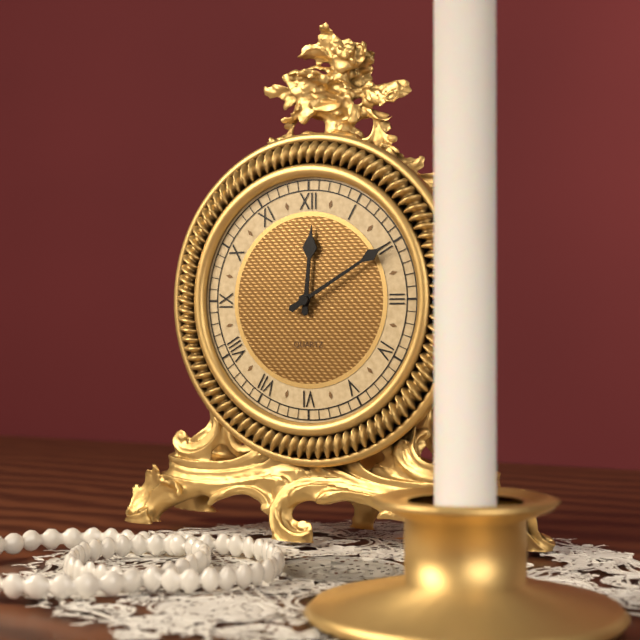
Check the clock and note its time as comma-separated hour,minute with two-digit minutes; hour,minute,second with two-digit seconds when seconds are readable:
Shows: 12,10
